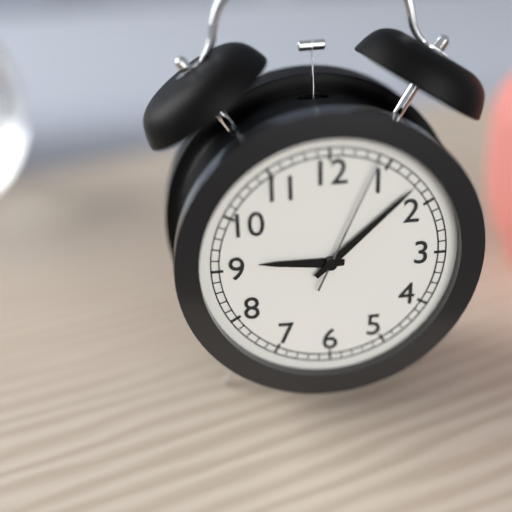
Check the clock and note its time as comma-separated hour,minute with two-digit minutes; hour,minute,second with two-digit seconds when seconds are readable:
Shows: 9,08,04
